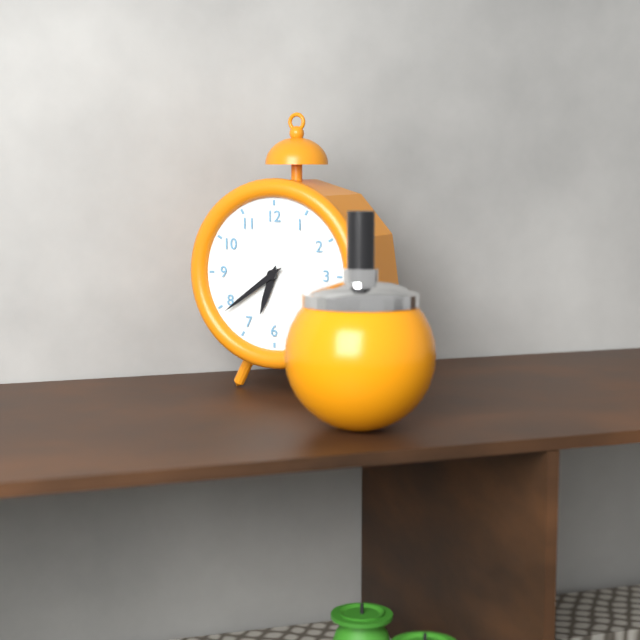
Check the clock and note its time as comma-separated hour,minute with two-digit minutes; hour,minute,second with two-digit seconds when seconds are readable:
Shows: 6,39
